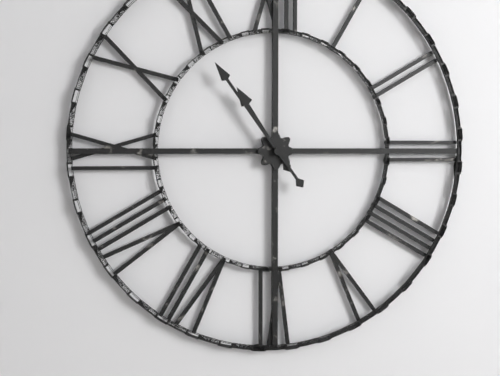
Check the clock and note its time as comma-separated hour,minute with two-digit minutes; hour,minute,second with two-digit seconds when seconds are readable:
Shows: 10,54
